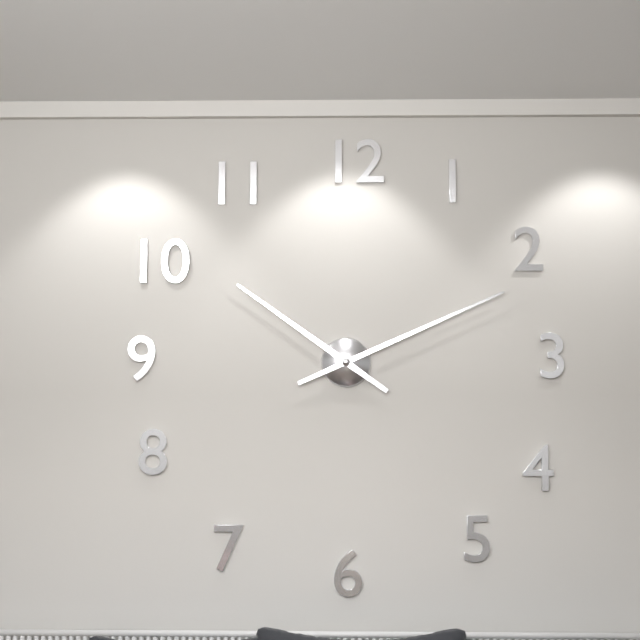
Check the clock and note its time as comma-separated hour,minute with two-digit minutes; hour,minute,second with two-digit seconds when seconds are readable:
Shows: 10,11
